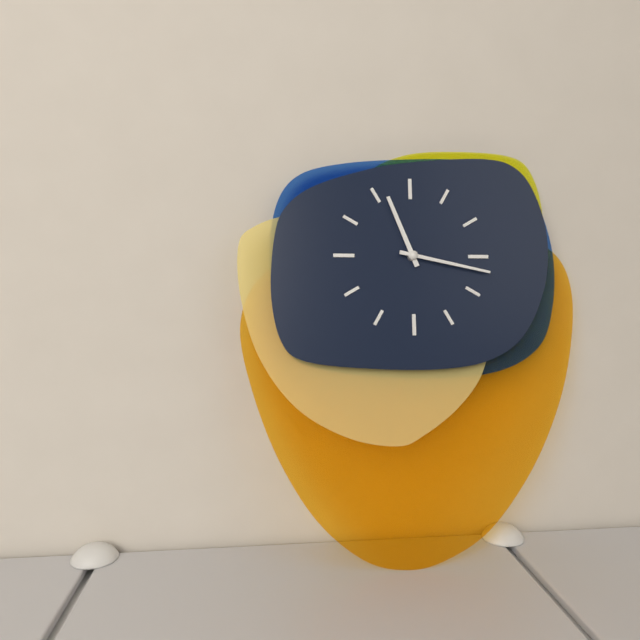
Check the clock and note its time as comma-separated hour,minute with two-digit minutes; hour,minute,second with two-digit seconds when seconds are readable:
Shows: 11,17
